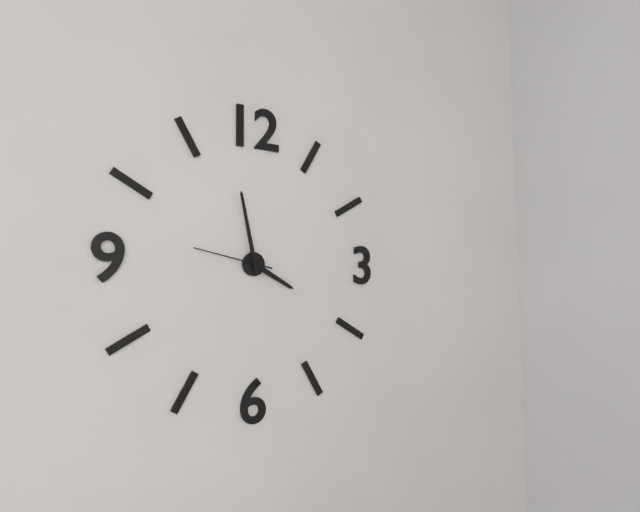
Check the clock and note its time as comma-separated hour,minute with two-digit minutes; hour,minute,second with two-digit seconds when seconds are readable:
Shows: 3,58,47
